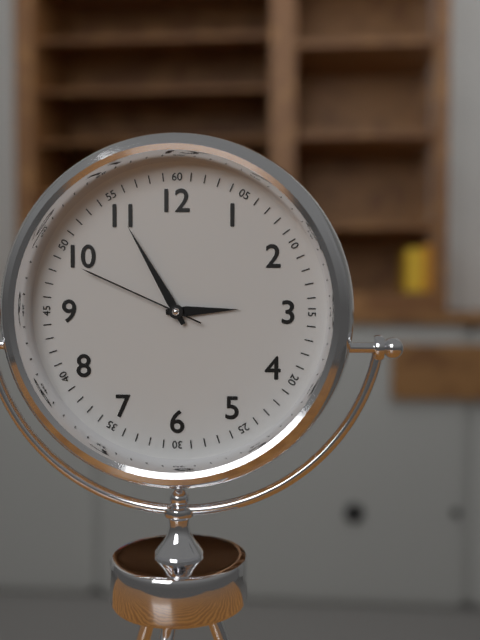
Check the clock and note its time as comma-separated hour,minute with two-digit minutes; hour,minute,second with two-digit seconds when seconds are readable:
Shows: 2,55,49
